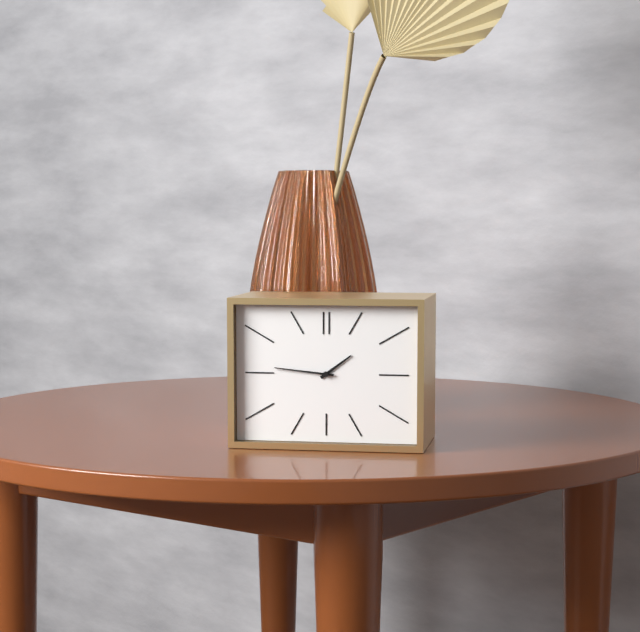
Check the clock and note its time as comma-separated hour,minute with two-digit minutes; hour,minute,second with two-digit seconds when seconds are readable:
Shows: 1,46
